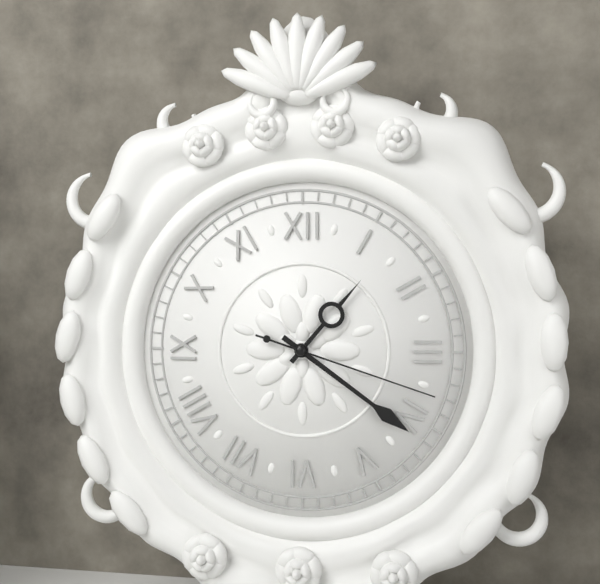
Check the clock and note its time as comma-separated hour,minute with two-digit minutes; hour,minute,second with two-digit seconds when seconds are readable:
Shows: 1,21,18
